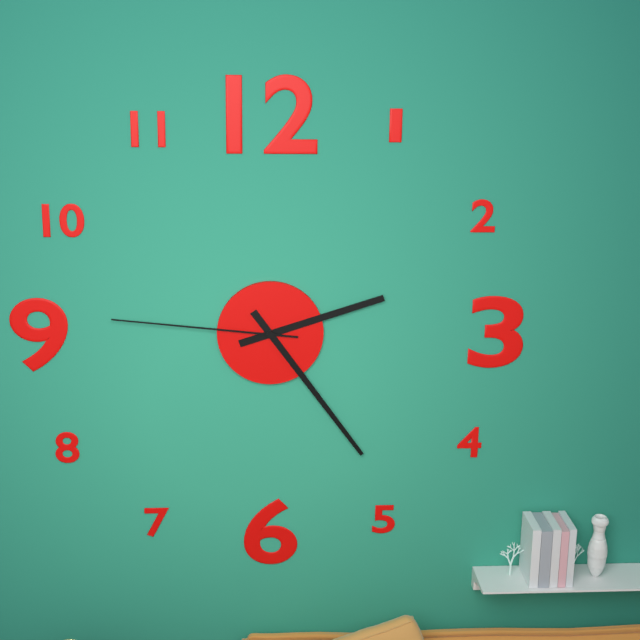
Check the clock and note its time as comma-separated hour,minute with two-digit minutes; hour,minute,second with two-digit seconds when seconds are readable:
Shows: 2,24,46
